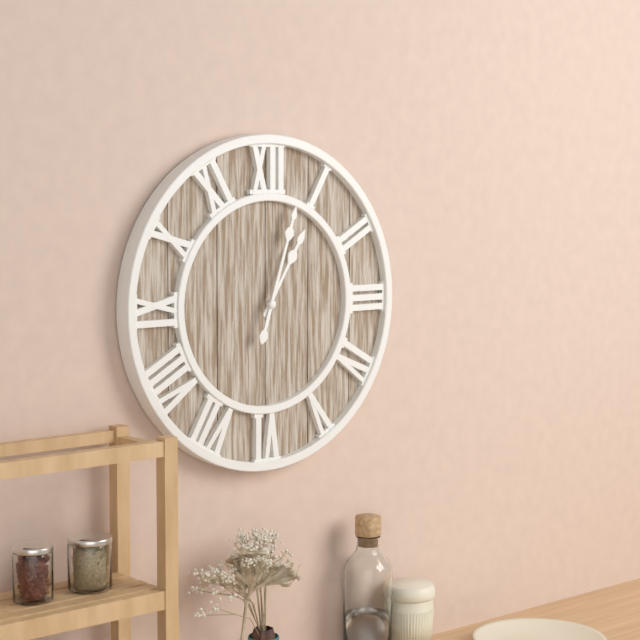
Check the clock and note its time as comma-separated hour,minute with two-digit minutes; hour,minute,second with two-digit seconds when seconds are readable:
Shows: 1,03
